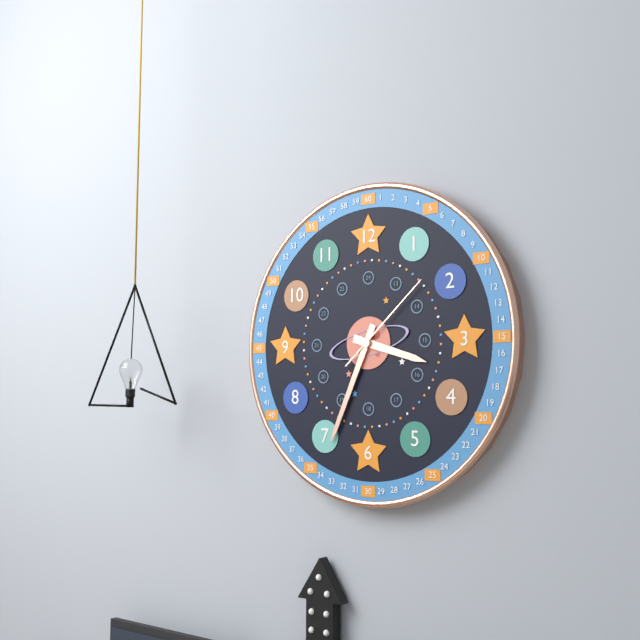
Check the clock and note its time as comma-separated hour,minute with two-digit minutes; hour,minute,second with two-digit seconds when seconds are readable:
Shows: 3,34,08
